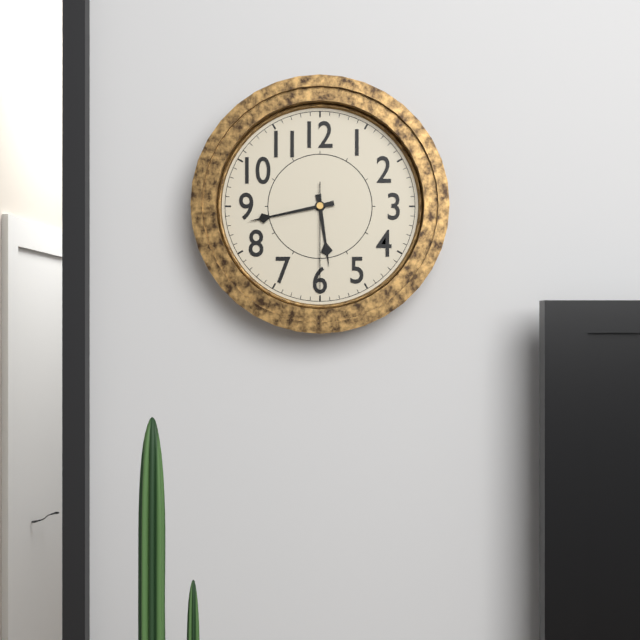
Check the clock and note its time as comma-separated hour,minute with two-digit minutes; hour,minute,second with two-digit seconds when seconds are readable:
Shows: 5,43,30
